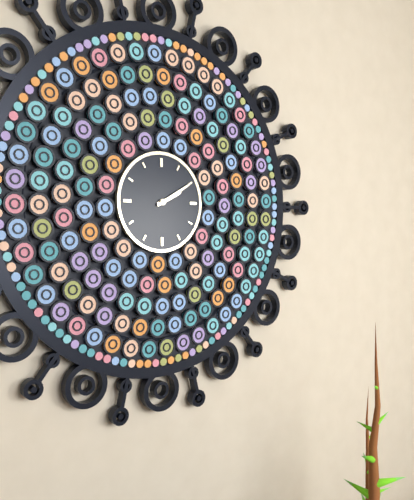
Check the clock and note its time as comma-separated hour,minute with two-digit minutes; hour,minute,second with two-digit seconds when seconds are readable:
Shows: 2,10
